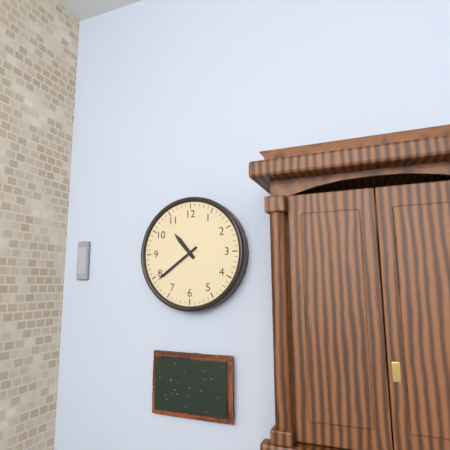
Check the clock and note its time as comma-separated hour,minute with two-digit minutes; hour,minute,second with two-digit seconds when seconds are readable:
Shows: 10,39
